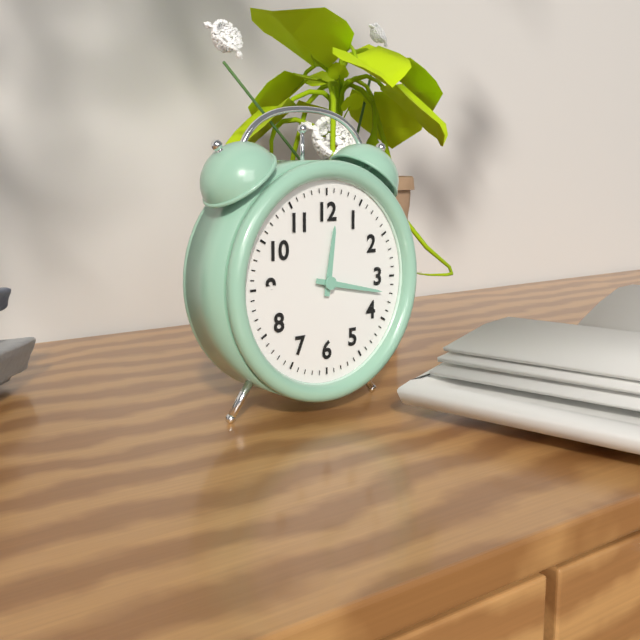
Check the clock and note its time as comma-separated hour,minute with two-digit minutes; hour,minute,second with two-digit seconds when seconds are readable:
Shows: 12,17
